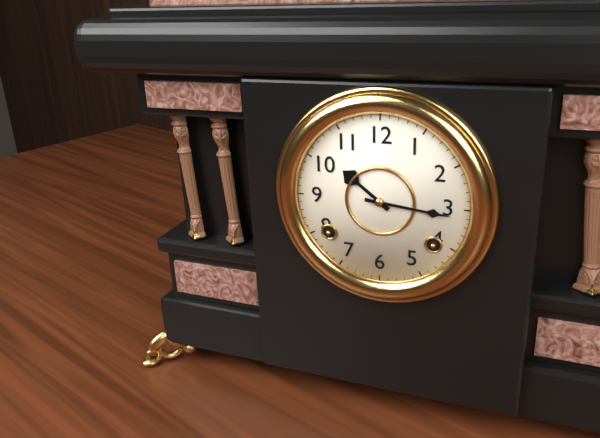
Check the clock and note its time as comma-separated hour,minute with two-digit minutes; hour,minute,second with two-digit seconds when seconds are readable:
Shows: 10,16
